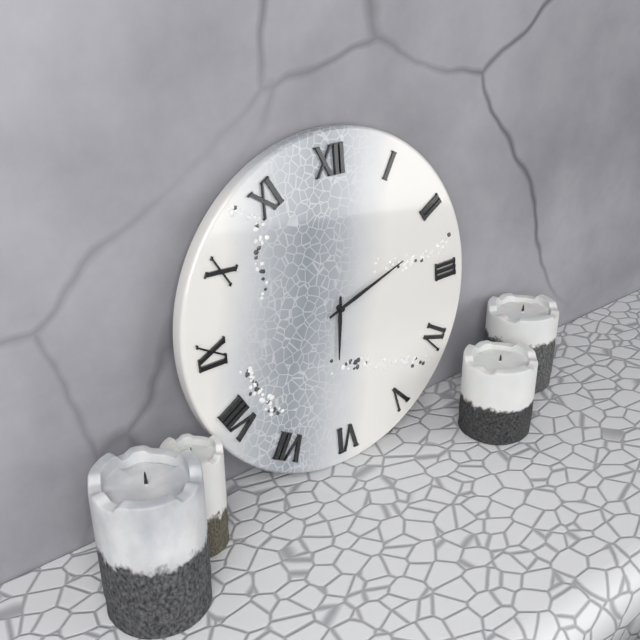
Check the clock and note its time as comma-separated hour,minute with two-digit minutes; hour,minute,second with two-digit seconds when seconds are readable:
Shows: 6,12
